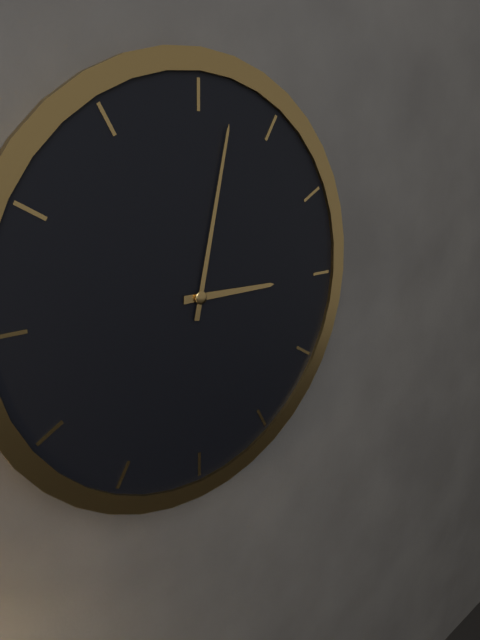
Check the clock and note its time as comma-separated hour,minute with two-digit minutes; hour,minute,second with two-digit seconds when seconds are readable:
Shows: 3,02
